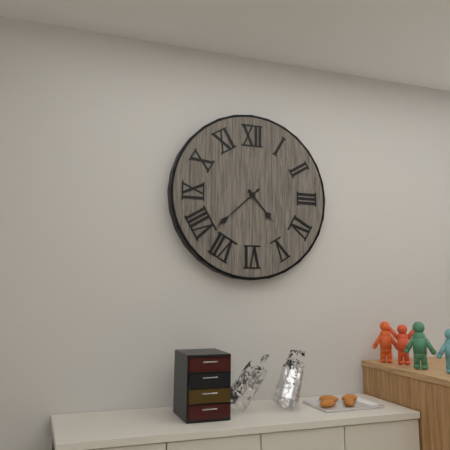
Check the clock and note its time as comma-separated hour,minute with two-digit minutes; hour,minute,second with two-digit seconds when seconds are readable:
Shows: 4,38
